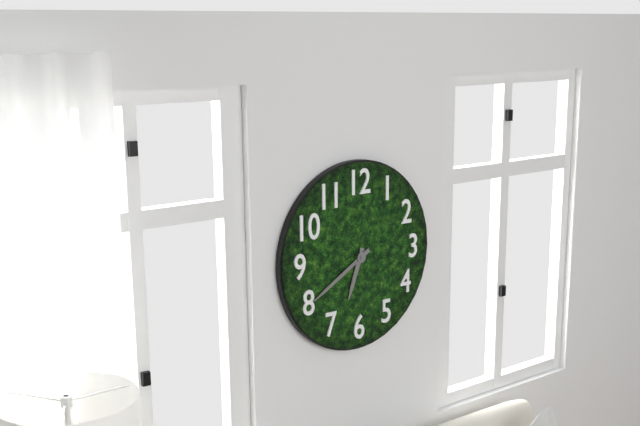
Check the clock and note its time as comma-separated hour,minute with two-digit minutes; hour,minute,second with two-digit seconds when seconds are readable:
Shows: 6,40
